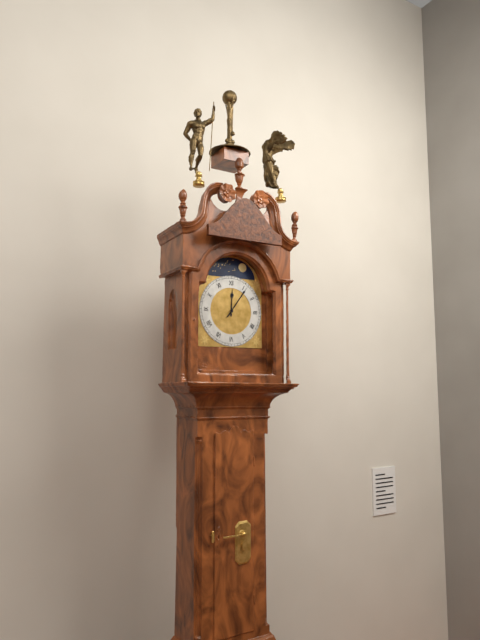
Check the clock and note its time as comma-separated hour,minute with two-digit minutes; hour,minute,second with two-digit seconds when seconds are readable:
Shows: 12,06
